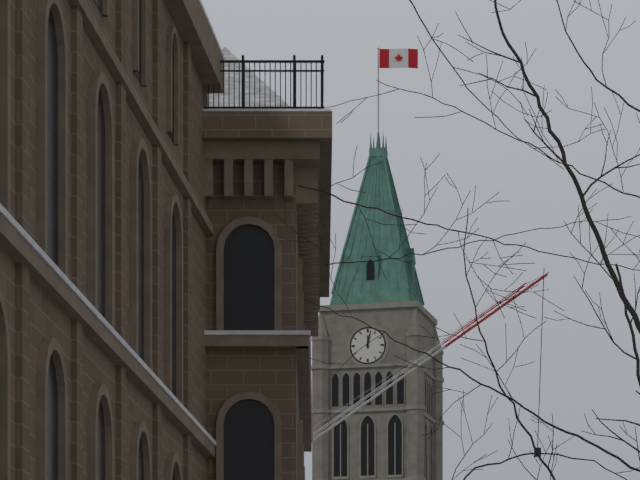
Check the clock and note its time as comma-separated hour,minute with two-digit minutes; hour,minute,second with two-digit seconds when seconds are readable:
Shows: 12,02
